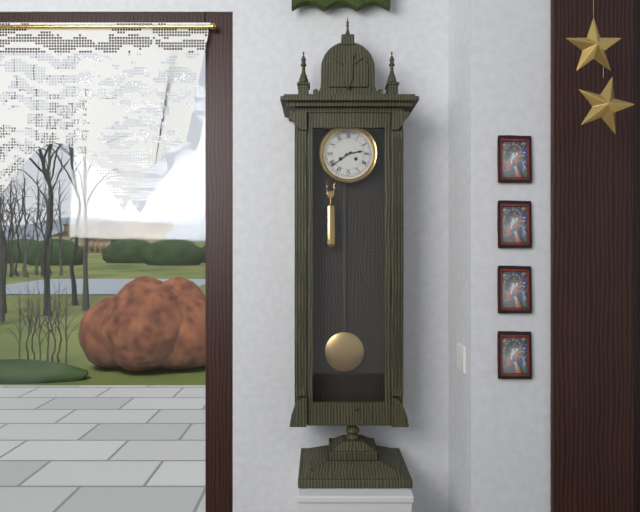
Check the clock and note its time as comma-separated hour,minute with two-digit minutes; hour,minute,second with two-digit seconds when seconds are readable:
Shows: 2,39
